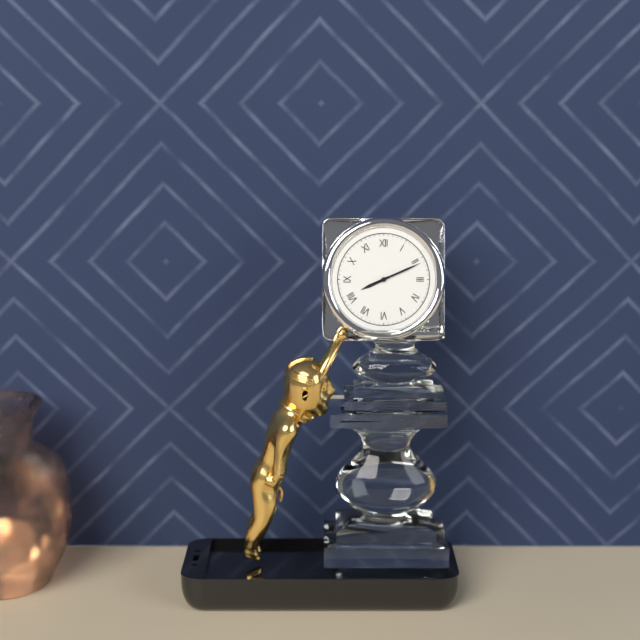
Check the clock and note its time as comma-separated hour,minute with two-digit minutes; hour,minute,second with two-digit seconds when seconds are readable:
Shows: 8,11
